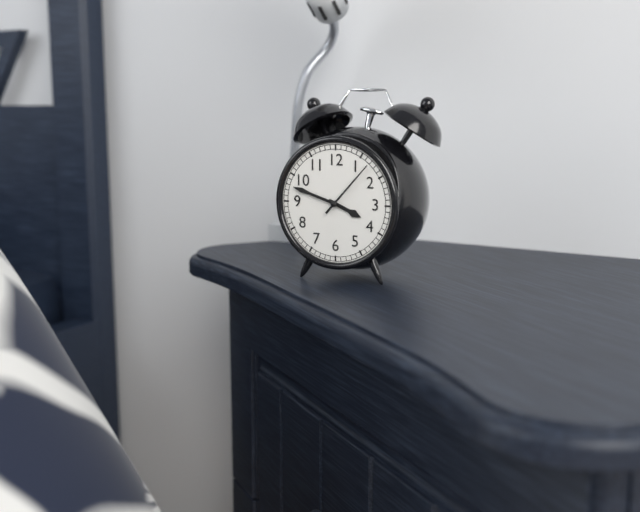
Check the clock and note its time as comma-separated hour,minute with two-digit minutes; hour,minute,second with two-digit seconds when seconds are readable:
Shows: 3,48,07
